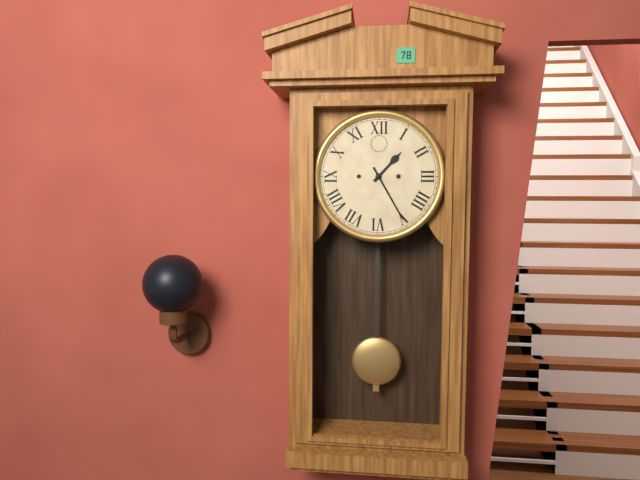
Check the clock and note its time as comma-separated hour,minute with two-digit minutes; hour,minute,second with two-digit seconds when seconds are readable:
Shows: 1,25
